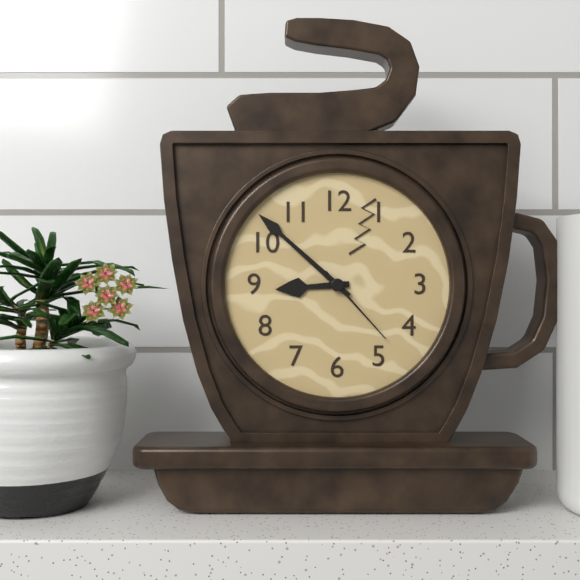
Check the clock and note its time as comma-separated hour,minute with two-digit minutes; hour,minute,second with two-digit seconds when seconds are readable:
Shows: 8,52,23
